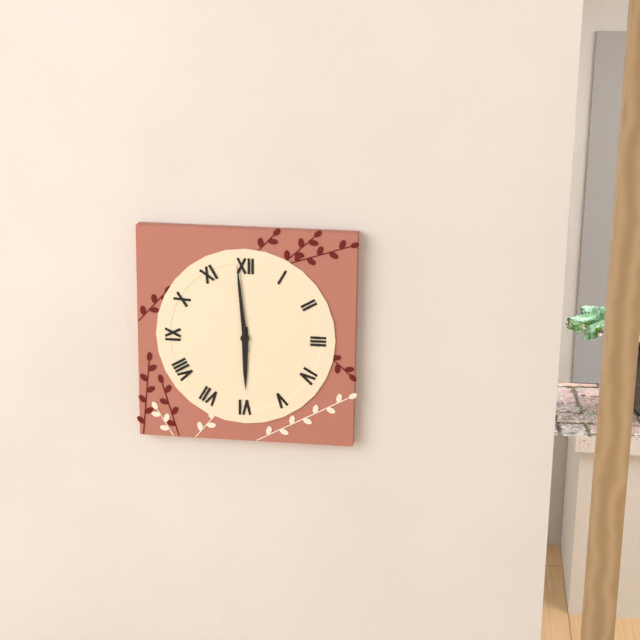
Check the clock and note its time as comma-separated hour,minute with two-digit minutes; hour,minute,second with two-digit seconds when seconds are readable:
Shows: 5,59
